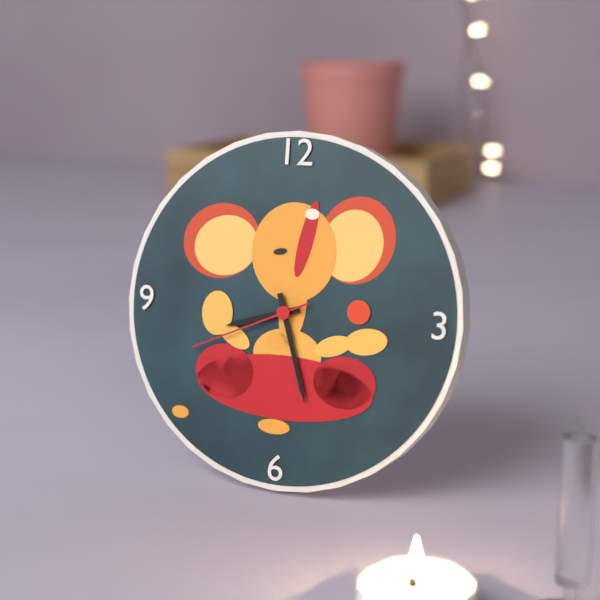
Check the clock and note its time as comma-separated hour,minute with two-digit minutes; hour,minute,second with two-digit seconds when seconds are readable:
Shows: 8,27,41
